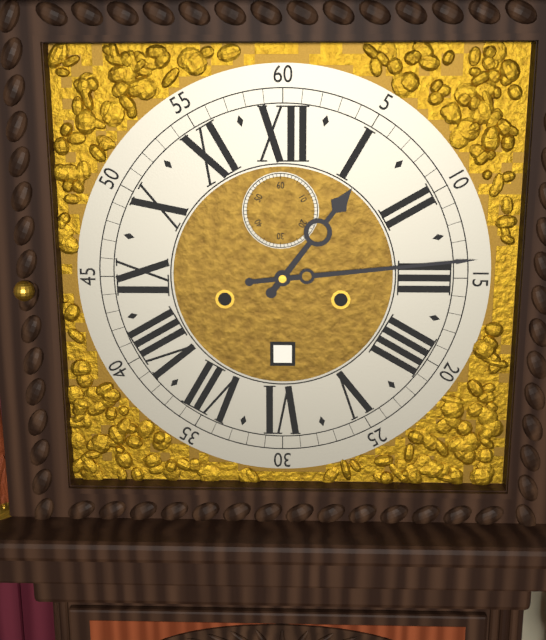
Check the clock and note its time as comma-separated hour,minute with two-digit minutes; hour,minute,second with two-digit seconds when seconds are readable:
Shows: 1,14
